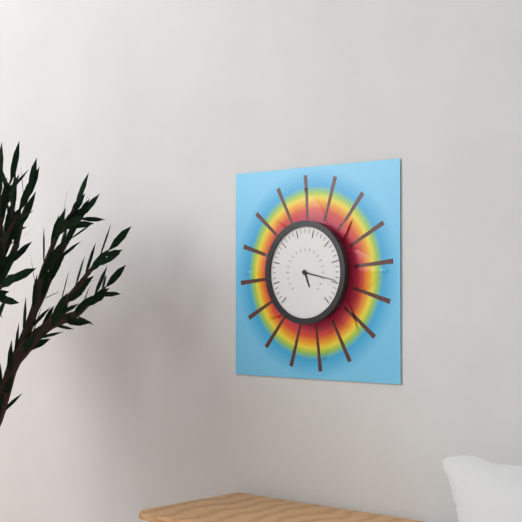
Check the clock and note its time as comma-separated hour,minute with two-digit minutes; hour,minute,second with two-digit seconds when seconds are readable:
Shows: 5,17
